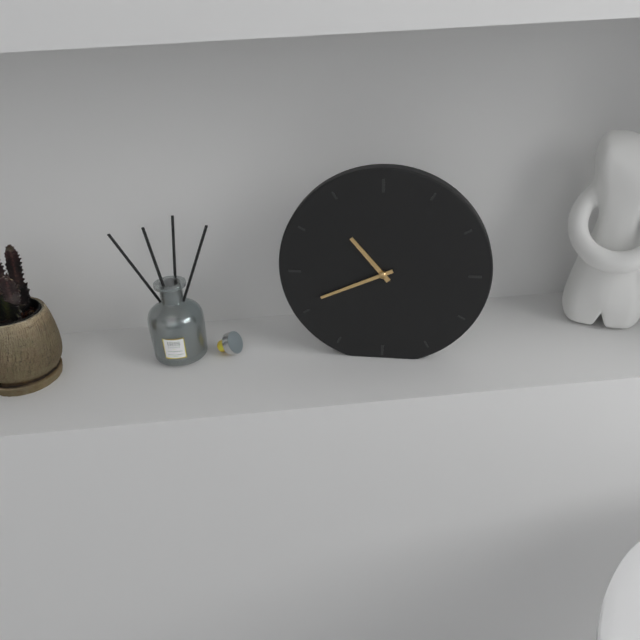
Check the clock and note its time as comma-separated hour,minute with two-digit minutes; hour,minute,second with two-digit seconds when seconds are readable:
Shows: 10,41
